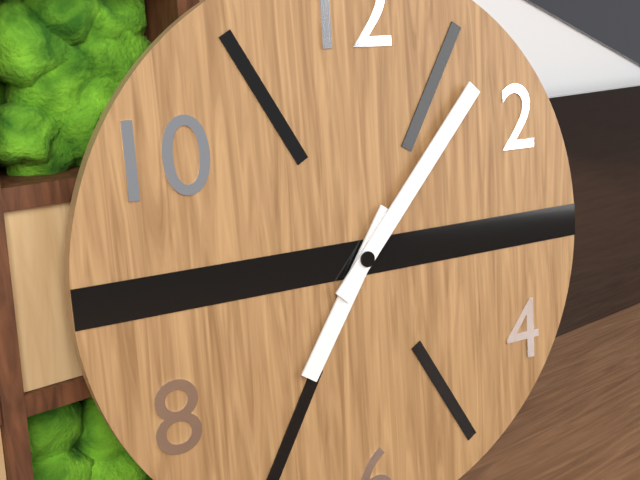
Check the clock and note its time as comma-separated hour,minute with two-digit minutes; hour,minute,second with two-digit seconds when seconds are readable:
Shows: 7,07
